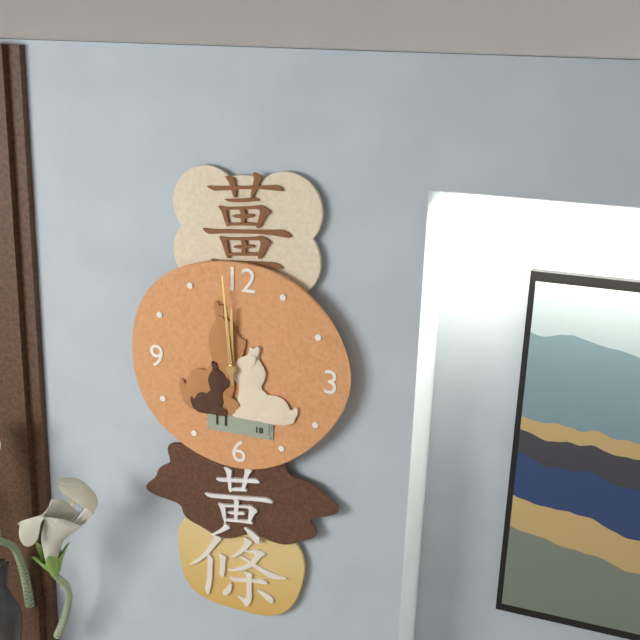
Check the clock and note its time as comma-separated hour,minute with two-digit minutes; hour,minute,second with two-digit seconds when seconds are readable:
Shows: 11,59
